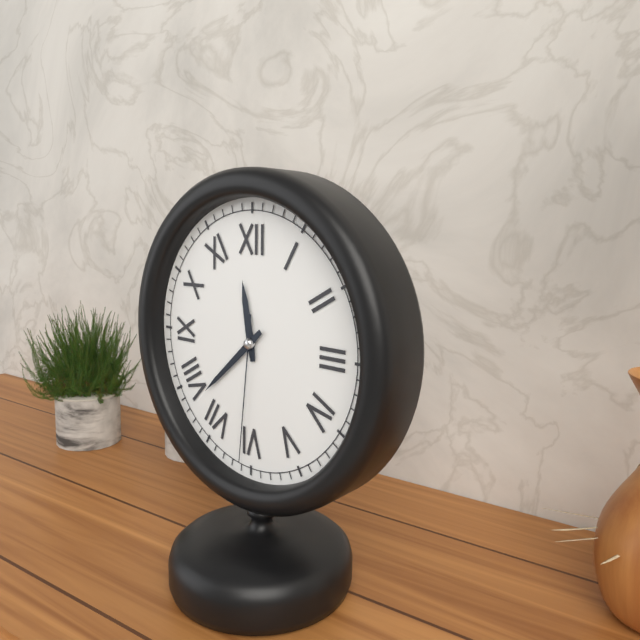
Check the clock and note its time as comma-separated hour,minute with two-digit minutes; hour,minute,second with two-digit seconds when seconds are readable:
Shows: 11,38,31
